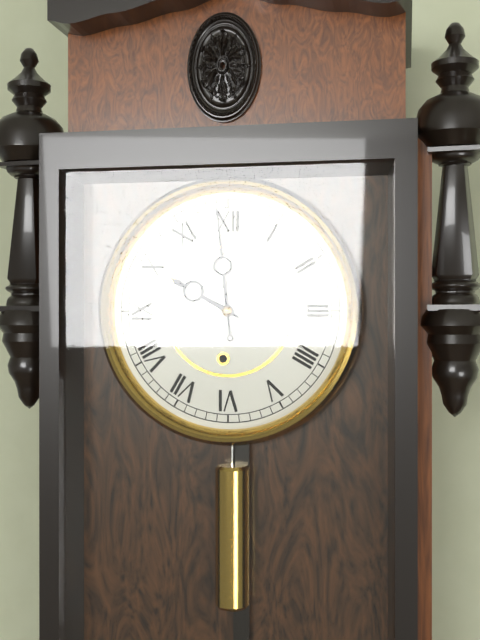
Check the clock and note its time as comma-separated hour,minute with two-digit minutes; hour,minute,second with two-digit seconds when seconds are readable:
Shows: 9,59
